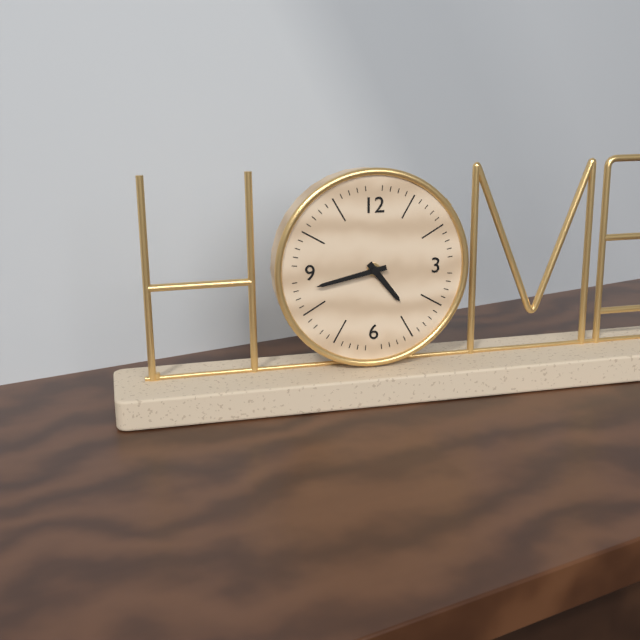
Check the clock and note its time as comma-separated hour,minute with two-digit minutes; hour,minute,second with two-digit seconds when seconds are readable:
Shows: 4,43
